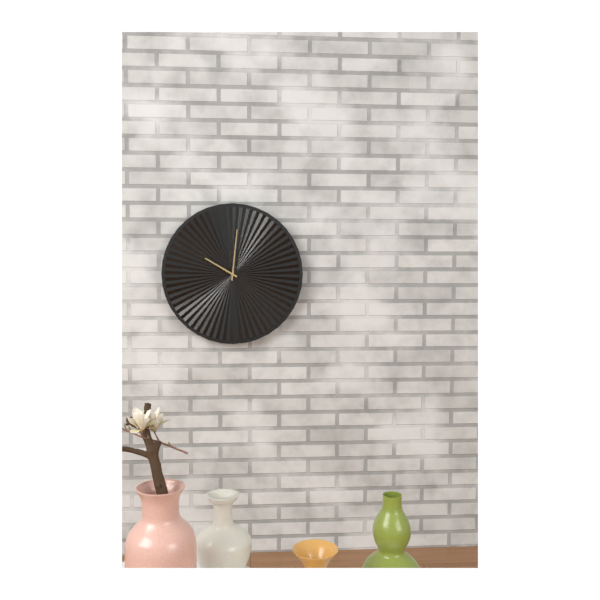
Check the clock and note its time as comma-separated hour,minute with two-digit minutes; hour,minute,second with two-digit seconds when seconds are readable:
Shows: 10,01
